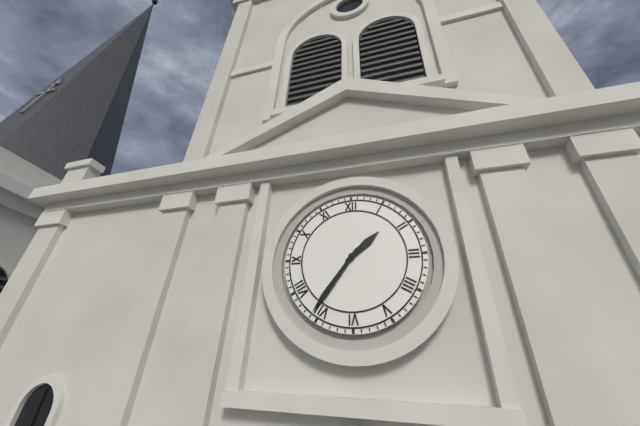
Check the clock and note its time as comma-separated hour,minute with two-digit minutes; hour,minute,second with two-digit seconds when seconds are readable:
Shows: 1,36
